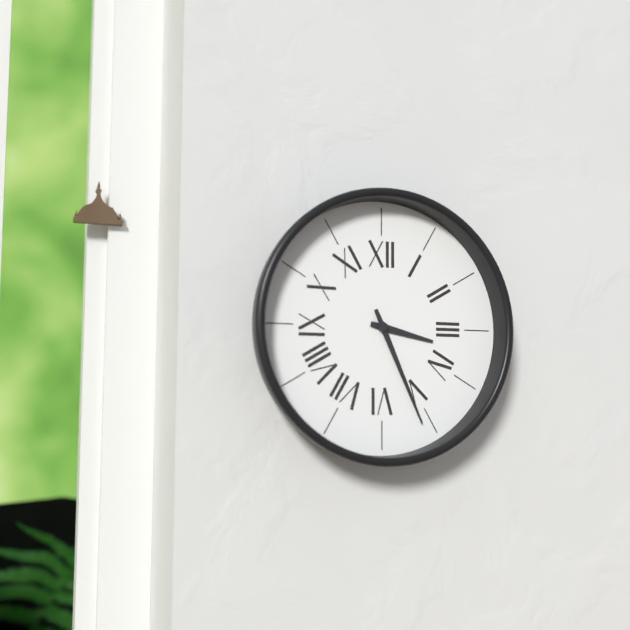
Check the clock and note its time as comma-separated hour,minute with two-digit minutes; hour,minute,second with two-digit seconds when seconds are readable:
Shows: 3,26
